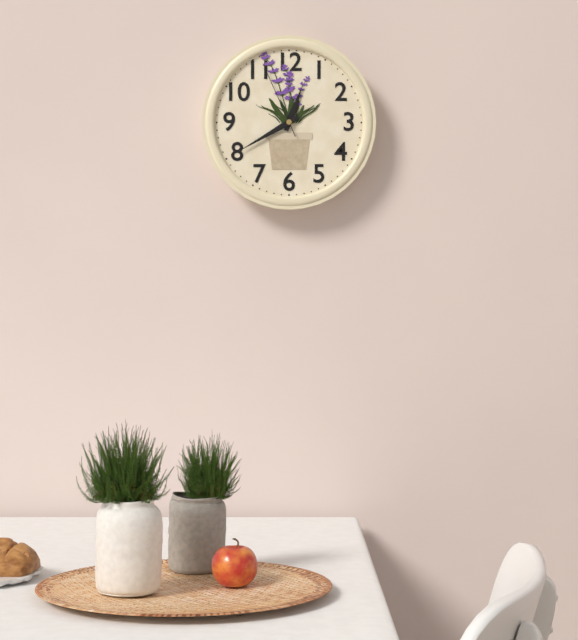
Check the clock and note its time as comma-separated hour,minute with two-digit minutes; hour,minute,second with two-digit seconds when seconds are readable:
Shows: 12,40,56
